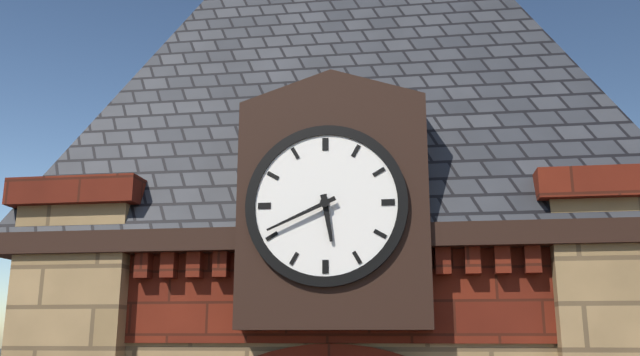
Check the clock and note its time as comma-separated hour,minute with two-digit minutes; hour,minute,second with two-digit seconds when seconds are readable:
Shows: 5,41
